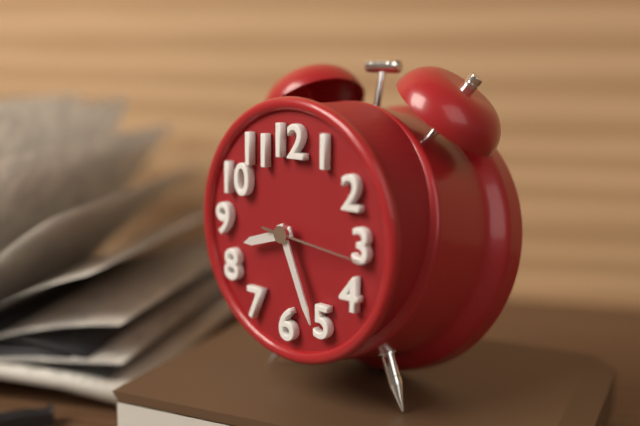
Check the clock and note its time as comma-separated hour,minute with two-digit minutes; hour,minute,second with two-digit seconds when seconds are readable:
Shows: 8,26,16
